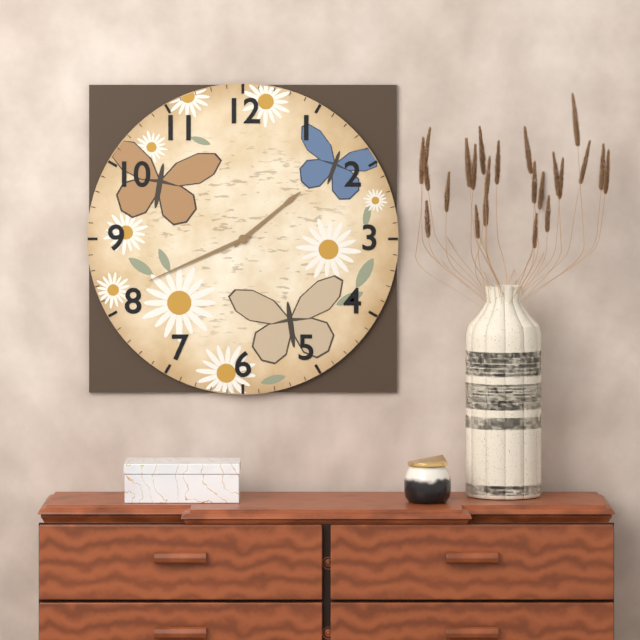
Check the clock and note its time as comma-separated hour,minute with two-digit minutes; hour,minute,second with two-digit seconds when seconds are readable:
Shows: 1,41
